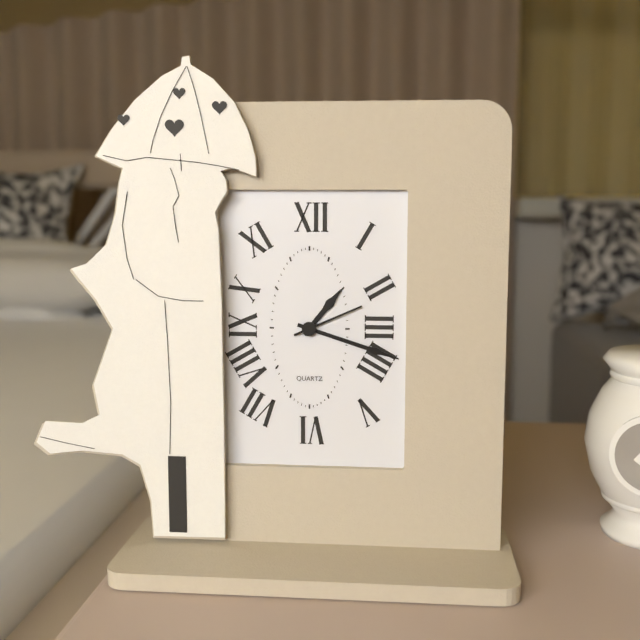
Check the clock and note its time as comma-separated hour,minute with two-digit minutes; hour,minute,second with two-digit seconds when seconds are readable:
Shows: 1,18,11
